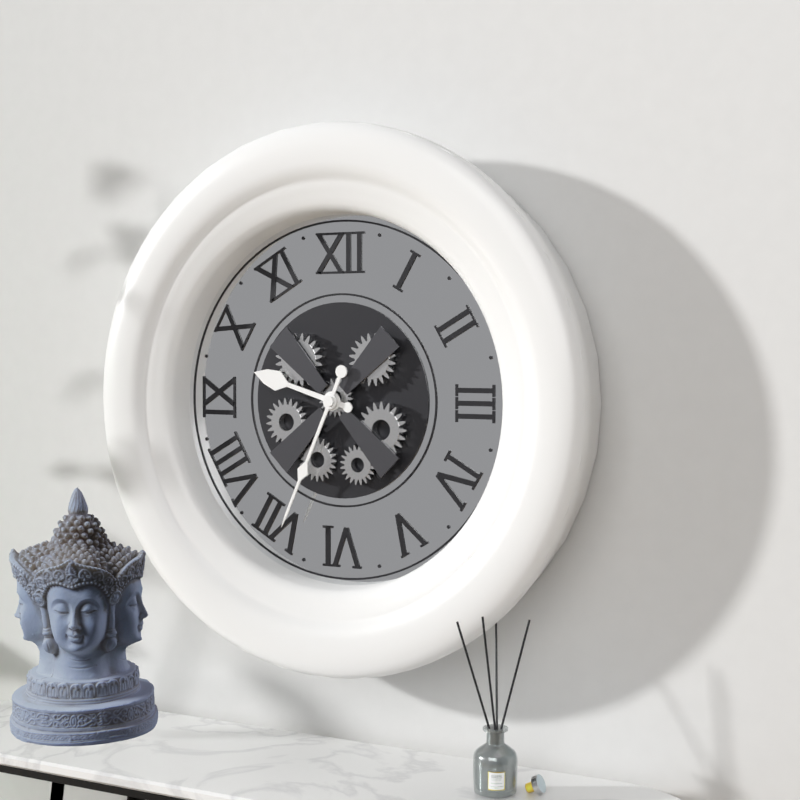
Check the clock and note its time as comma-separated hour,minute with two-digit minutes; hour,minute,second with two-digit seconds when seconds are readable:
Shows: 9,34
